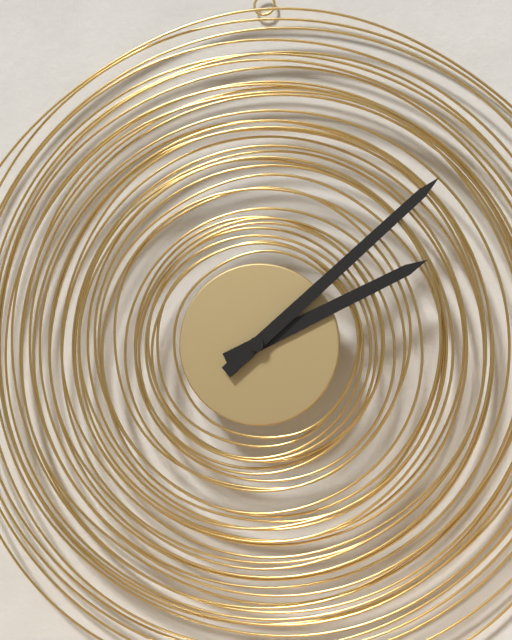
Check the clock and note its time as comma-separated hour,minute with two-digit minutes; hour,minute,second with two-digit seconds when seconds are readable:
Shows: 2,08
